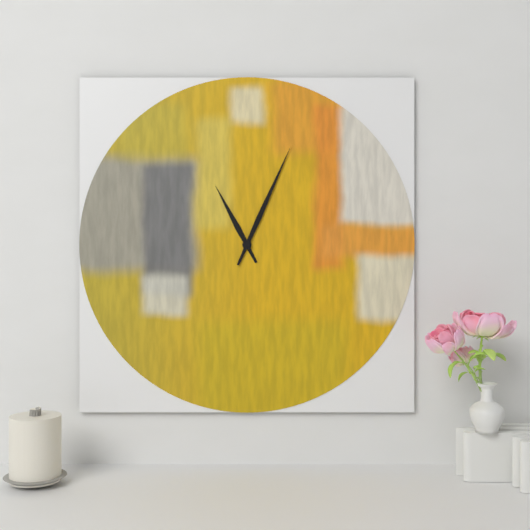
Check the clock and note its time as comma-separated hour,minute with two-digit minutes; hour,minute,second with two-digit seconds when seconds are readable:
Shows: 11,04
